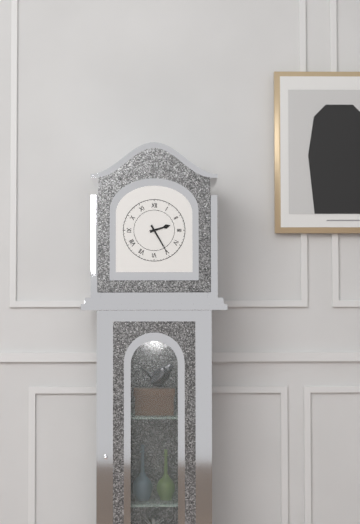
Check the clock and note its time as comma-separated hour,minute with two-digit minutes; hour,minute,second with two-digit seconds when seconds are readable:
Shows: 2,25
